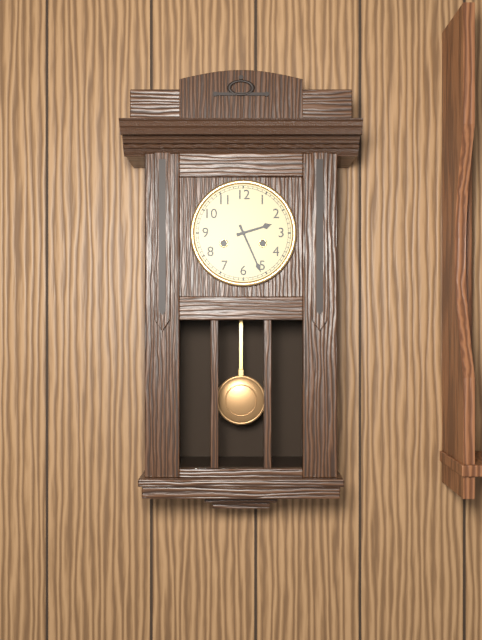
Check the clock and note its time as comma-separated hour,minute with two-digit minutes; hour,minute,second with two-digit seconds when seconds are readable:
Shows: 2,26
